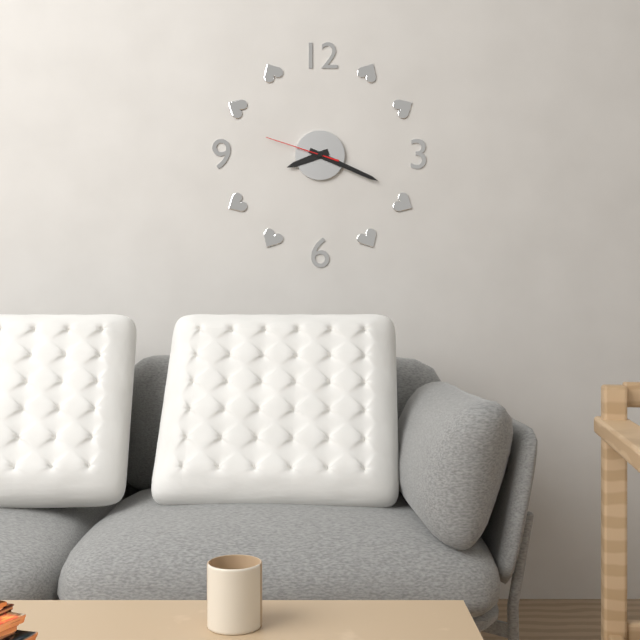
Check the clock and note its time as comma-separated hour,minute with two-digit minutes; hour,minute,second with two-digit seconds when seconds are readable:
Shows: 8,19,48
